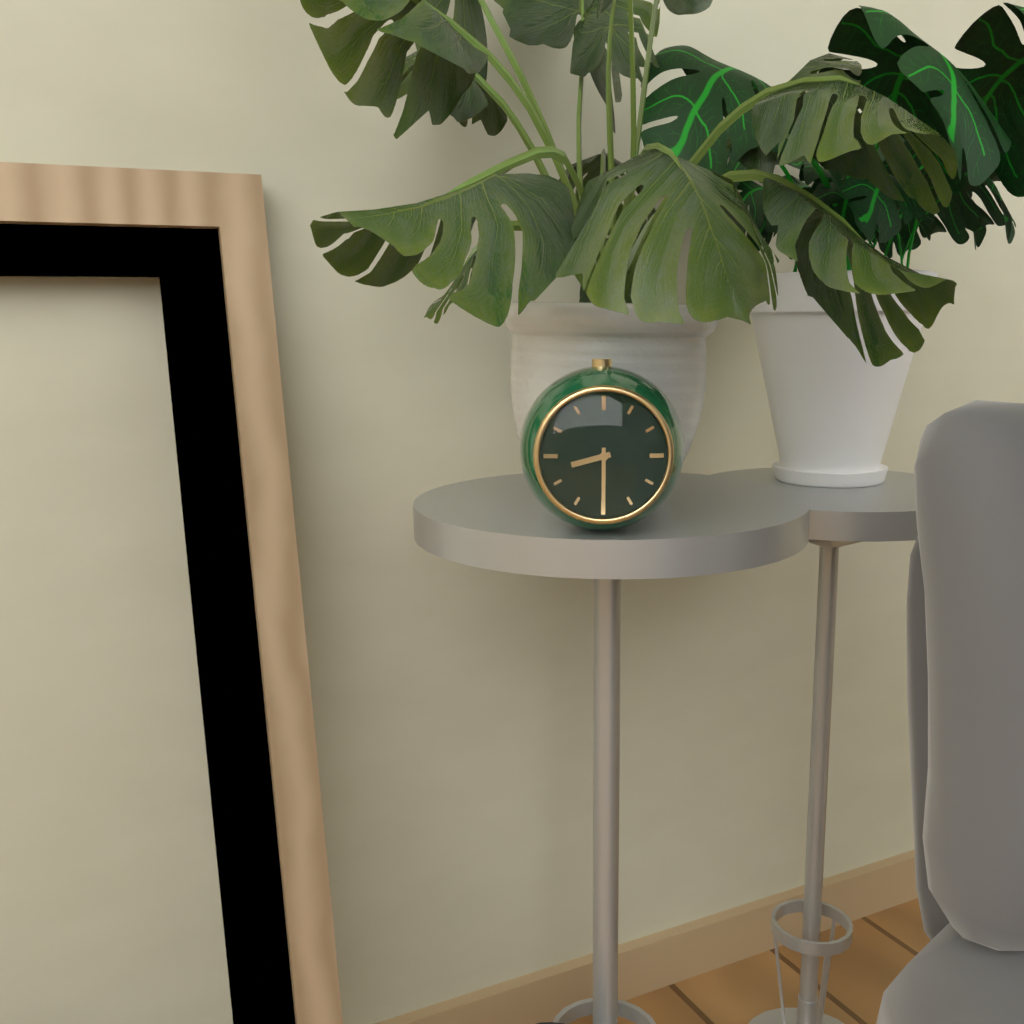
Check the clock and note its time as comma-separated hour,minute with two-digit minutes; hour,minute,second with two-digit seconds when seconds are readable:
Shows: 8,30
